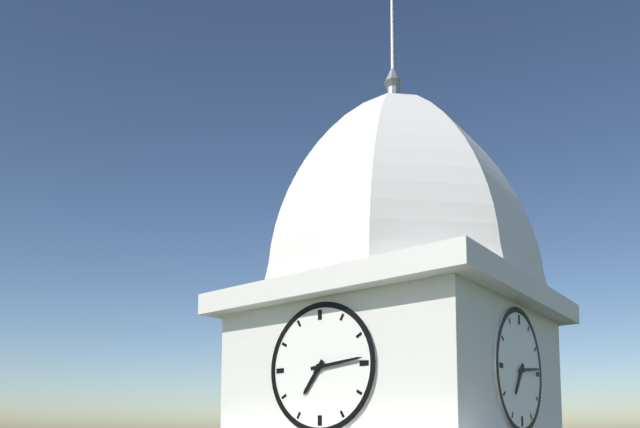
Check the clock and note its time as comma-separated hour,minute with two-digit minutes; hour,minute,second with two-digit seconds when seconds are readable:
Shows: 7,14
